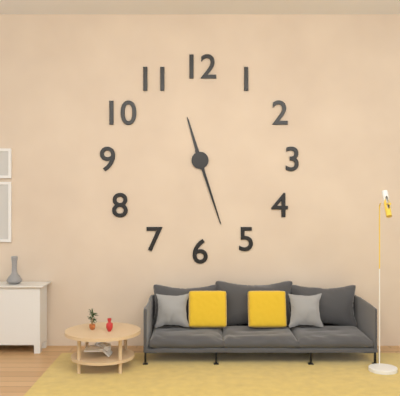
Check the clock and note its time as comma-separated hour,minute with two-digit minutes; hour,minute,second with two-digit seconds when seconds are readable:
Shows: 11,27
